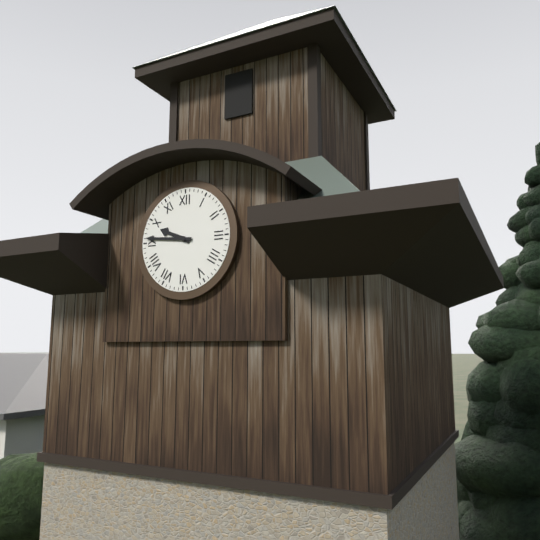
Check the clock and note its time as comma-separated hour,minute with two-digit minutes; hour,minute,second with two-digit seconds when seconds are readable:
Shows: 9,46
